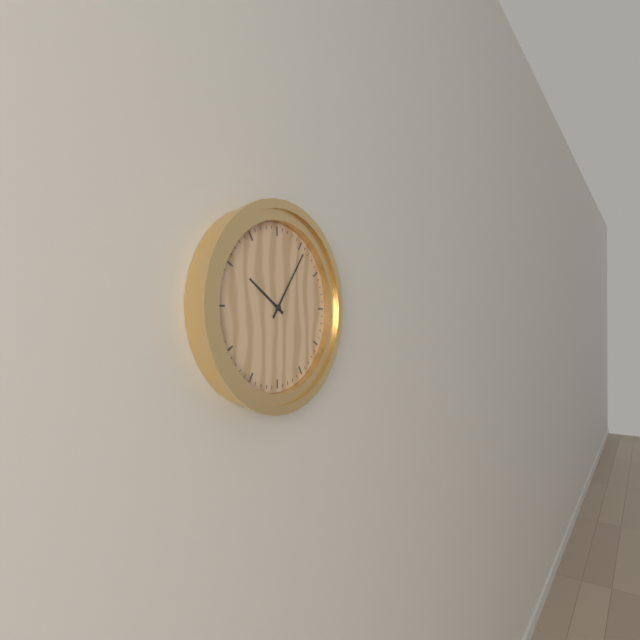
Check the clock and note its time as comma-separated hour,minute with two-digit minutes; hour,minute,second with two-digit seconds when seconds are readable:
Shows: 10,06
